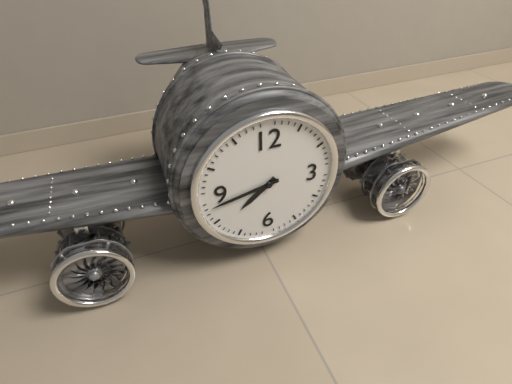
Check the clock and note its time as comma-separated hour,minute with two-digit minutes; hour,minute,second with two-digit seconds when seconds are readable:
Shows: 7,43
